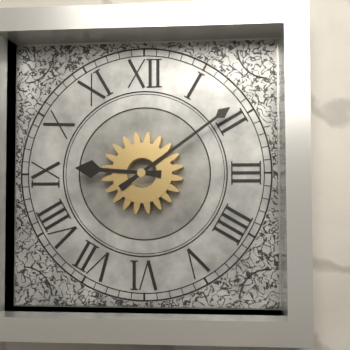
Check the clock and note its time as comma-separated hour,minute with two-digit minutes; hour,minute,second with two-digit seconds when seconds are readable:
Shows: 9,09
